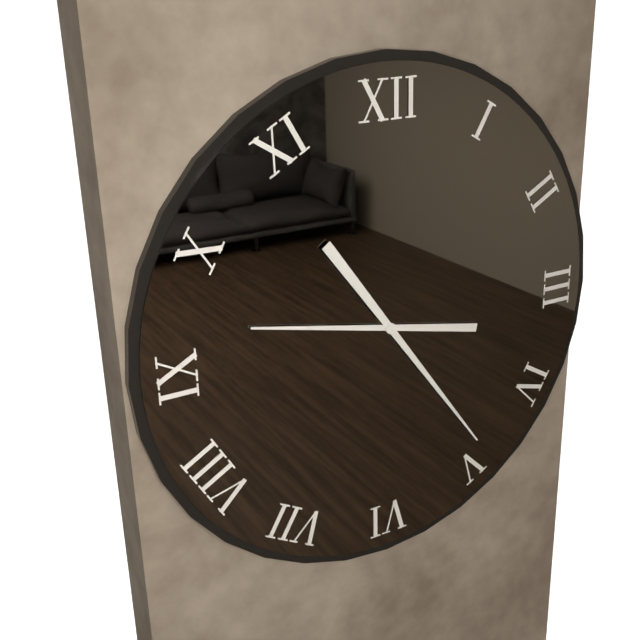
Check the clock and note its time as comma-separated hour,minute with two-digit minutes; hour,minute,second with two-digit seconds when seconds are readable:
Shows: 9,24
